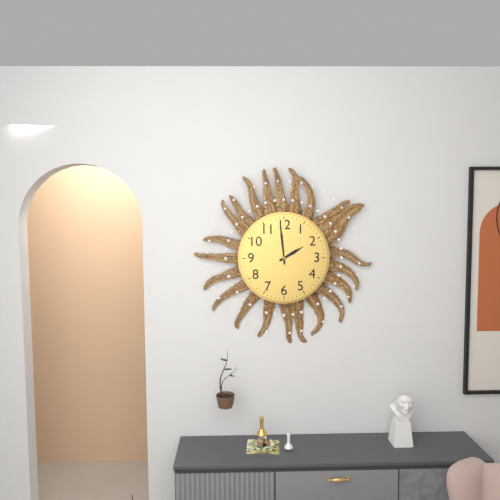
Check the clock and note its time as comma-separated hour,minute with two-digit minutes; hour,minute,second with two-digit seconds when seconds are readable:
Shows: 1,59
